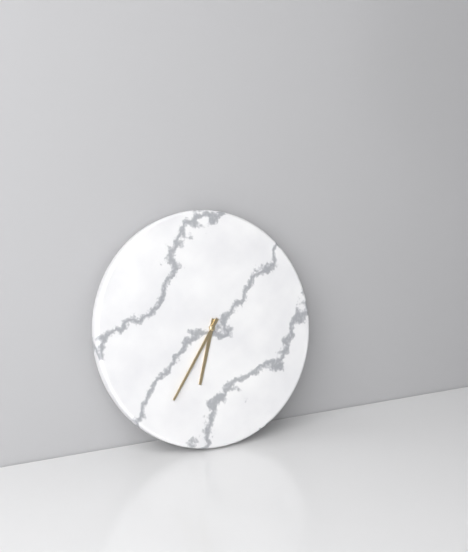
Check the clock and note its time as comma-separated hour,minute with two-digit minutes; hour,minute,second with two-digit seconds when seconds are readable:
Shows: 6,36
